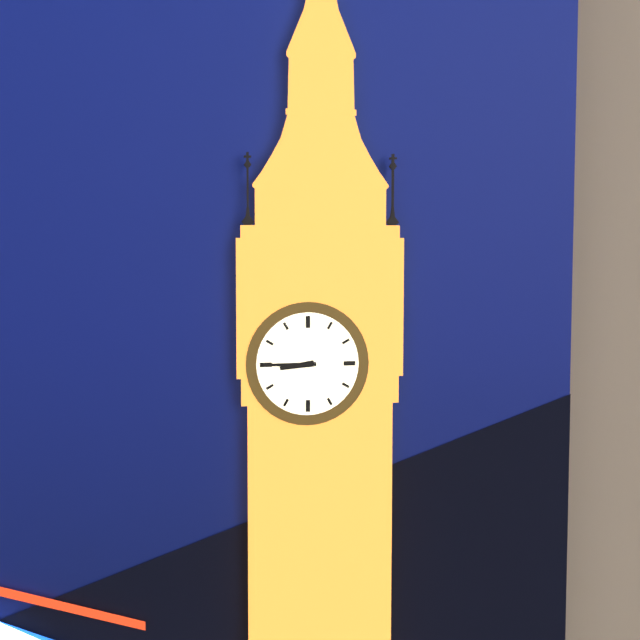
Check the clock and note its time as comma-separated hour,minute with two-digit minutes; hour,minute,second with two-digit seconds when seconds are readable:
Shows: 8,45
